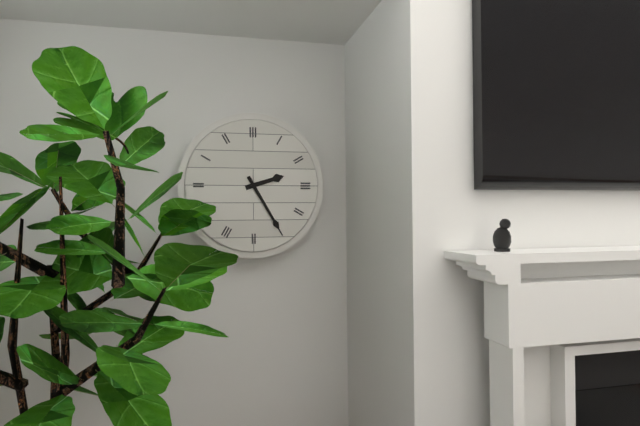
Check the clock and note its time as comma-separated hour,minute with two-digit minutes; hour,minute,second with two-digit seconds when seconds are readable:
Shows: 2,25
